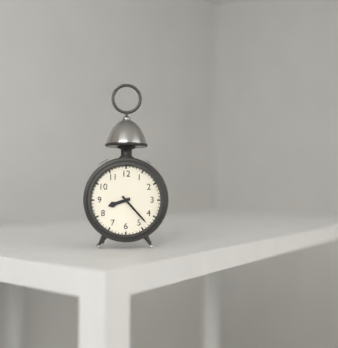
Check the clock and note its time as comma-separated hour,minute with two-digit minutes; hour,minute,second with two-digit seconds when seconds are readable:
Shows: 8,23
